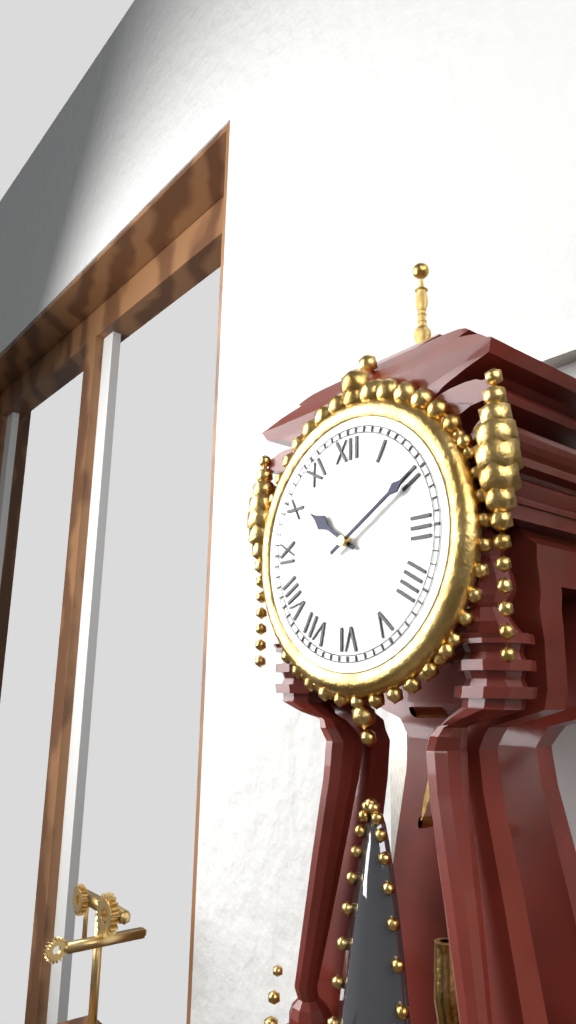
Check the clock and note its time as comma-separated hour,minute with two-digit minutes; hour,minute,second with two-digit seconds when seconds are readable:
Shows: 10,10
